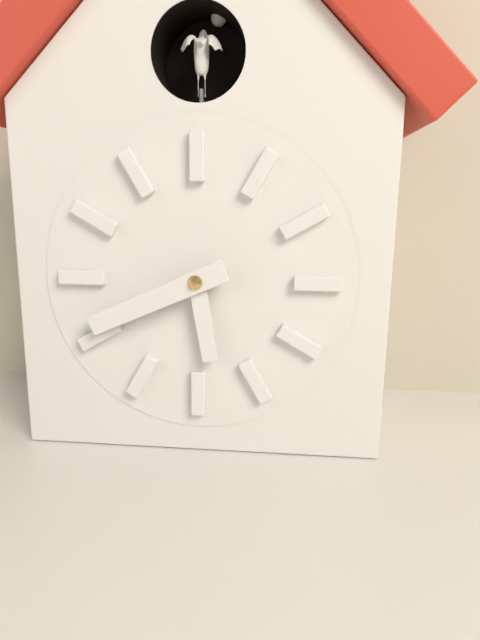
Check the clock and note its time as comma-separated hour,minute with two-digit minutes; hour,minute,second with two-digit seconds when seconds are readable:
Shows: 5,41
